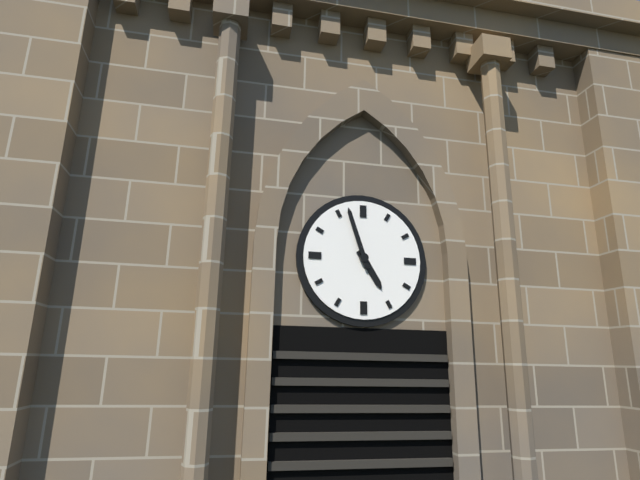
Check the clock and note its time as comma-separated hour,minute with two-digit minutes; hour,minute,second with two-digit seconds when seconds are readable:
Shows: 4,57
